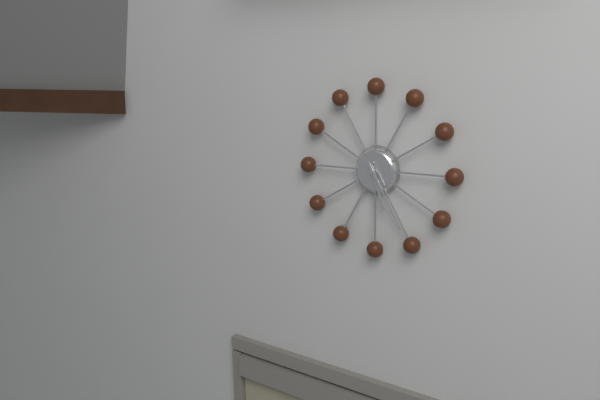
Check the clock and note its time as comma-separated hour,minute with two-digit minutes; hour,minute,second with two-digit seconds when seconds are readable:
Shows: 5,25
